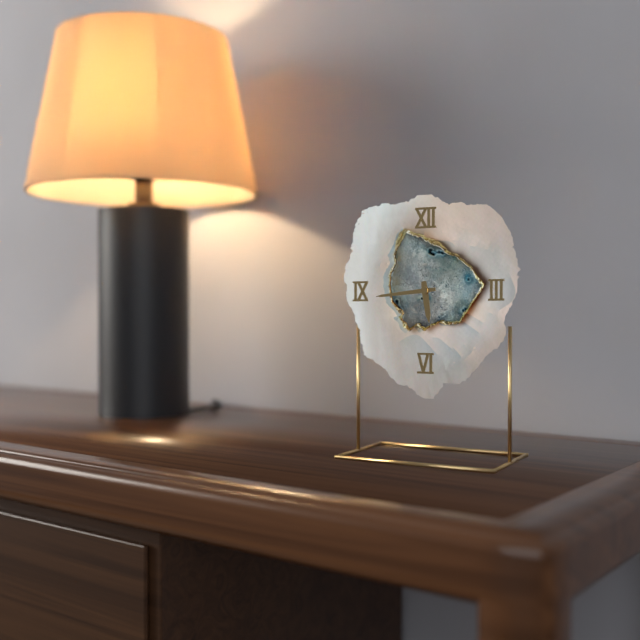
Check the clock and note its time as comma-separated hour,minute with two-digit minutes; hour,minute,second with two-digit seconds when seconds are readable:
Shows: 5,44
